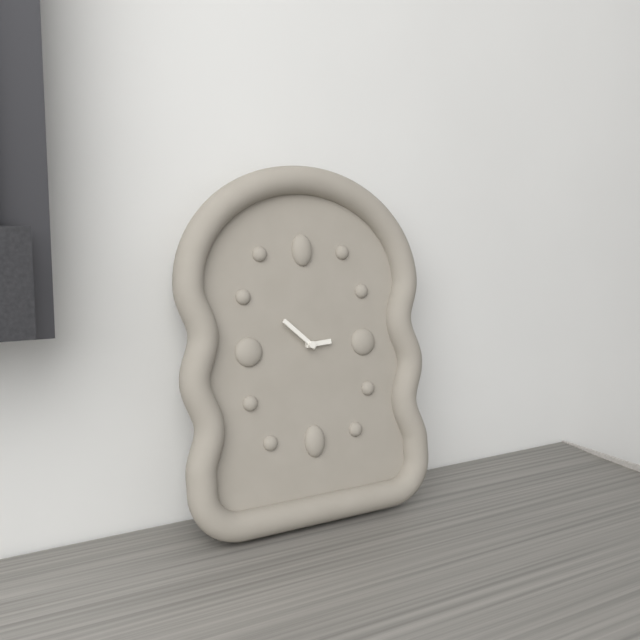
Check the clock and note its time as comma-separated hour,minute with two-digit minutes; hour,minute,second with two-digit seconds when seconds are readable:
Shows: 2,52
